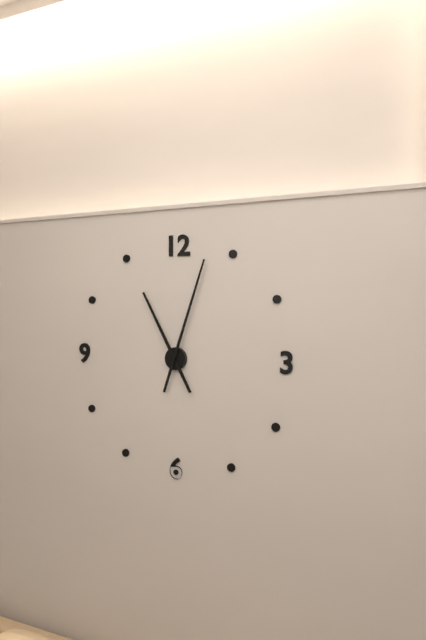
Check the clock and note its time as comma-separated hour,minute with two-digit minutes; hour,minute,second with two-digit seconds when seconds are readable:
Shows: 11,03
